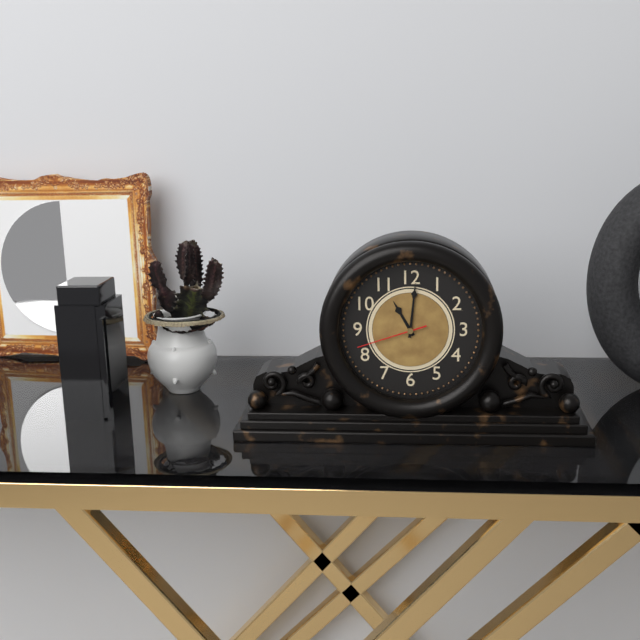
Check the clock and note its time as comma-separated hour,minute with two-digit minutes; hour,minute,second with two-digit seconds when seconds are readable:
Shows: 11,01,42
